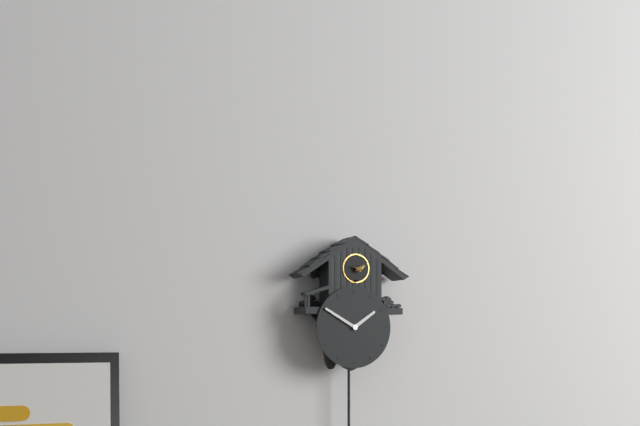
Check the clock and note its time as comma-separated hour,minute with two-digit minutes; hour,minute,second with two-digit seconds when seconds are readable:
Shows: 1,50
